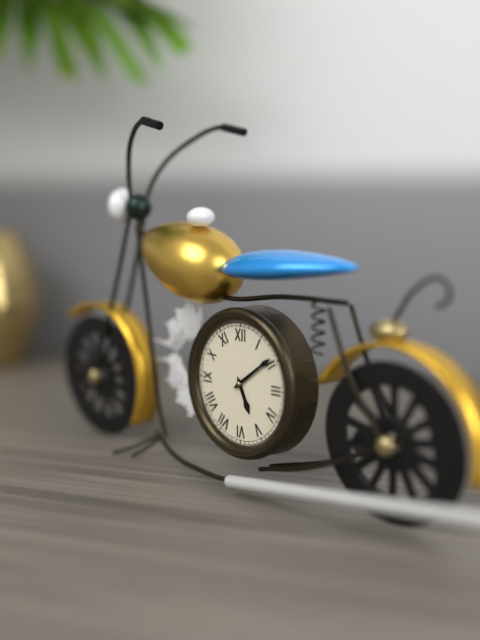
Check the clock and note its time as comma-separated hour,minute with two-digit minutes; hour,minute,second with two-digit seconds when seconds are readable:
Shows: 5,09
